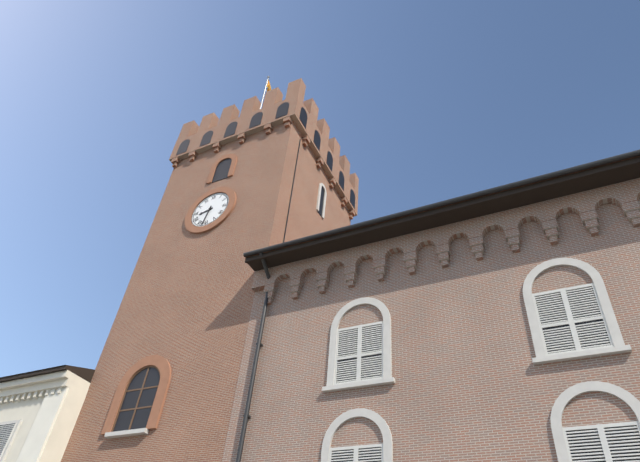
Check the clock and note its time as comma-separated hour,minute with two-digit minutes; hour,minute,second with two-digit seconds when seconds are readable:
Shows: 8,32
